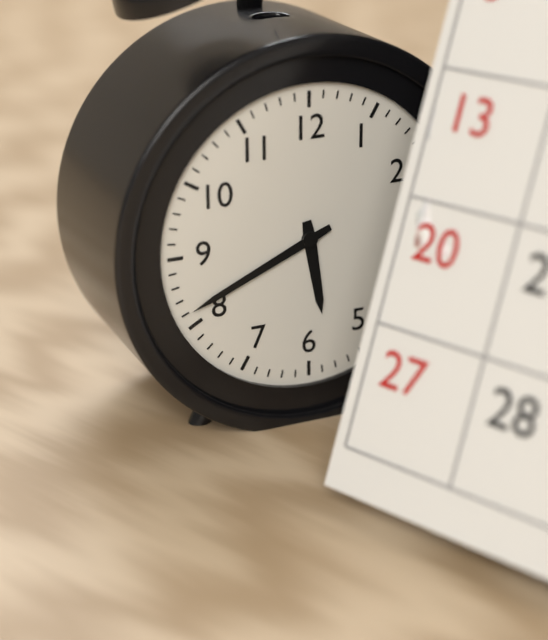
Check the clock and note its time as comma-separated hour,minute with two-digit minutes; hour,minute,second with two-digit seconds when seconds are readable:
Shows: 5,41
